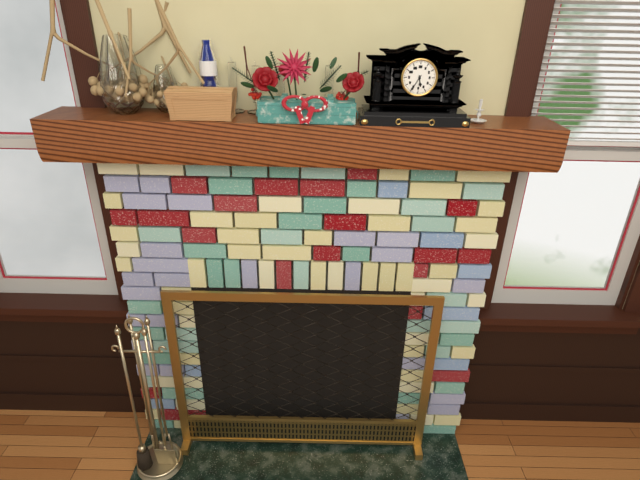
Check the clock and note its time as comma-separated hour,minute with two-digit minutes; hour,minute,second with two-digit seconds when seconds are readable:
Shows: 5,35
